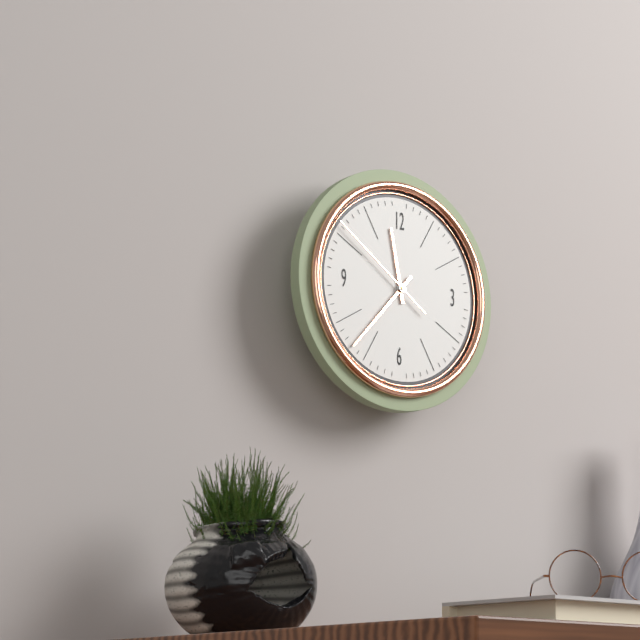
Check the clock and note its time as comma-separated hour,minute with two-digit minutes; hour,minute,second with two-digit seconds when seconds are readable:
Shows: 11,37,51
